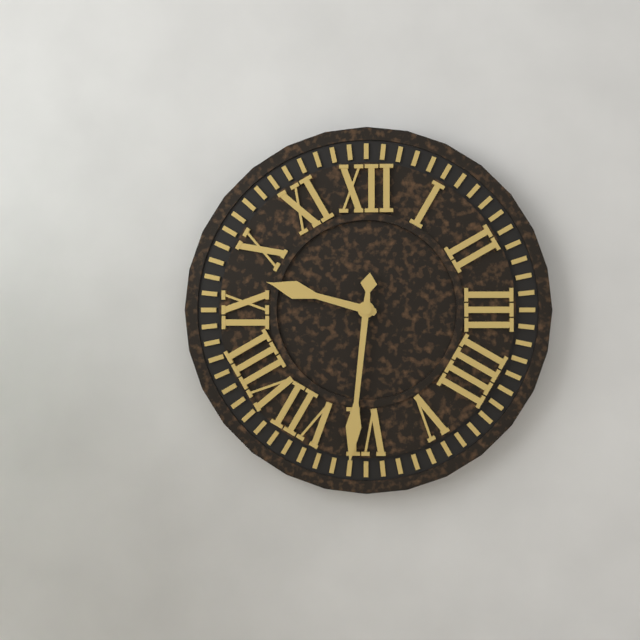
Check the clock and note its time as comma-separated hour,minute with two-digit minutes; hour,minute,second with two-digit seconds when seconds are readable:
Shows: 9,31
